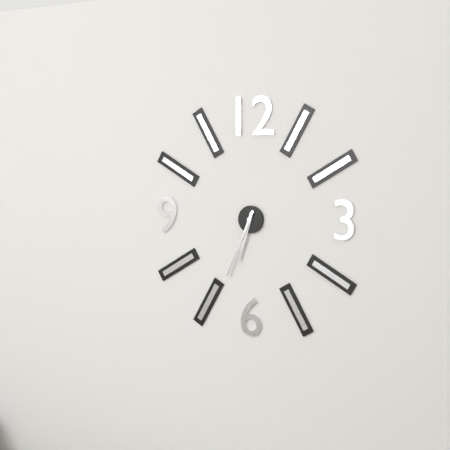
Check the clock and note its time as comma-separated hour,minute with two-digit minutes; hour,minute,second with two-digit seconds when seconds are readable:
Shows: 6,34
